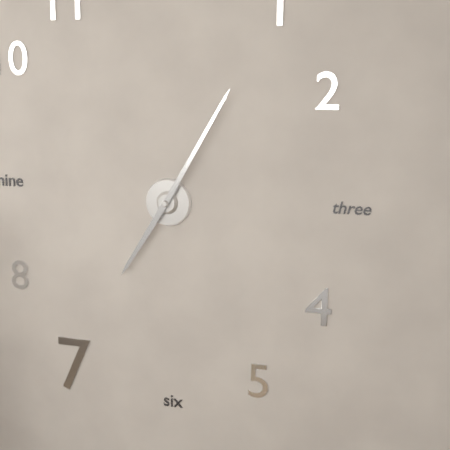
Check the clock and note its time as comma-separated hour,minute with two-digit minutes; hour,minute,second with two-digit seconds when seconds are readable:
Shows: 7,05
